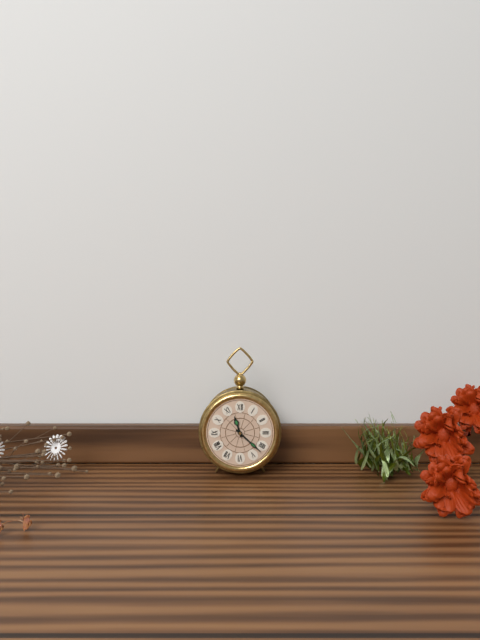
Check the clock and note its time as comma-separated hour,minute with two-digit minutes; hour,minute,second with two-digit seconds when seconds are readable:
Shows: 11,22
